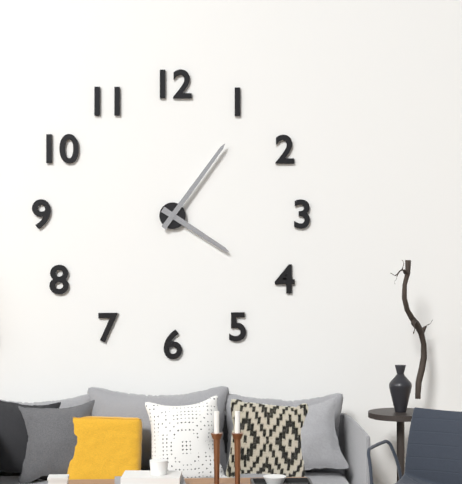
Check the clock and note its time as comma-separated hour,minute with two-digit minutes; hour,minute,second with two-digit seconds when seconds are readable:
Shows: 4,06
